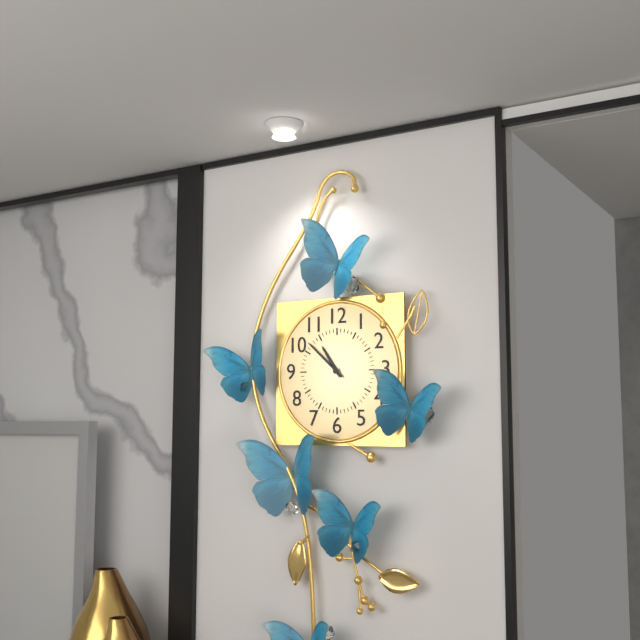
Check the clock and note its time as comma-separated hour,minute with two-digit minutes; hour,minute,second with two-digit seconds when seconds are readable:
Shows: 10,52
